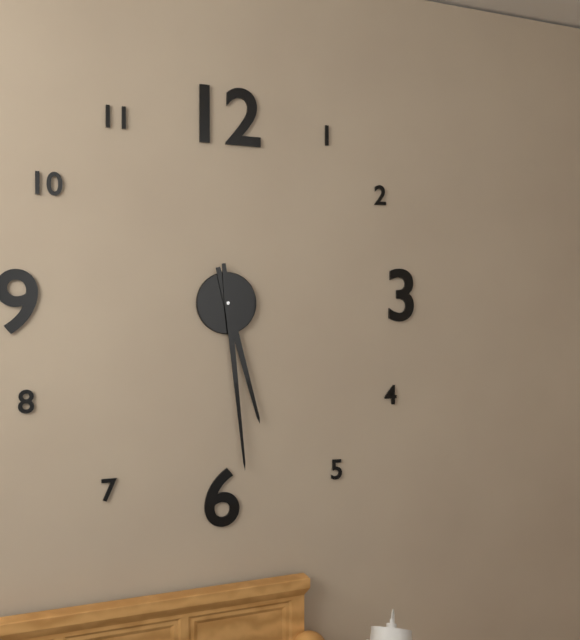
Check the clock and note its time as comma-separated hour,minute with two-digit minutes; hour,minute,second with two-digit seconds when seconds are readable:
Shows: 5,29
